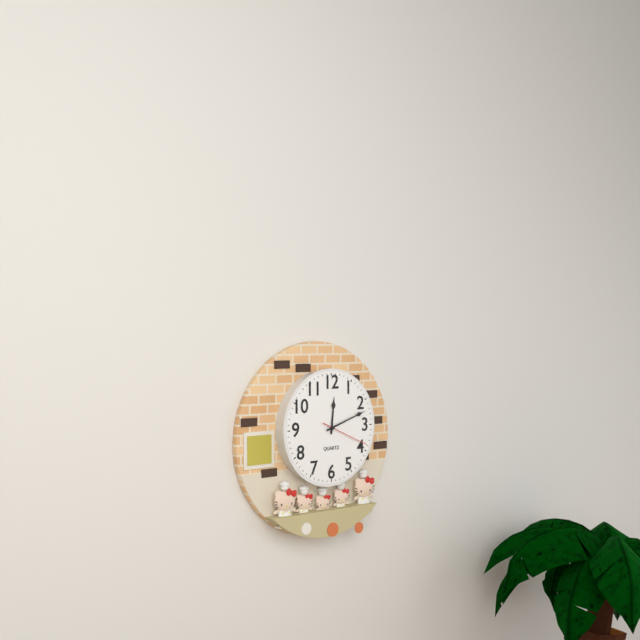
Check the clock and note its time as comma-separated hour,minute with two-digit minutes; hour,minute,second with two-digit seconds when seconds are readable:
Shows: 12,12
